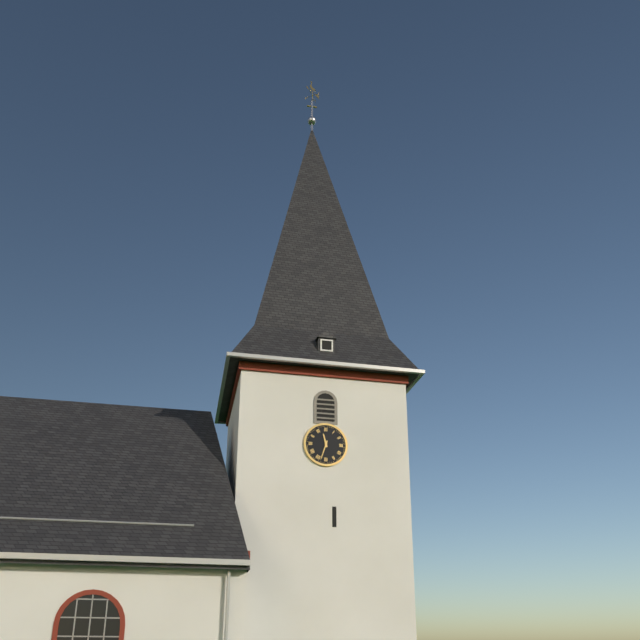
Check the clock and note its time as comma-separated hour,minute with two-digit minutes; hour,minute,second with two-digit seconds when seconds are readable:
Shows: 11,33
